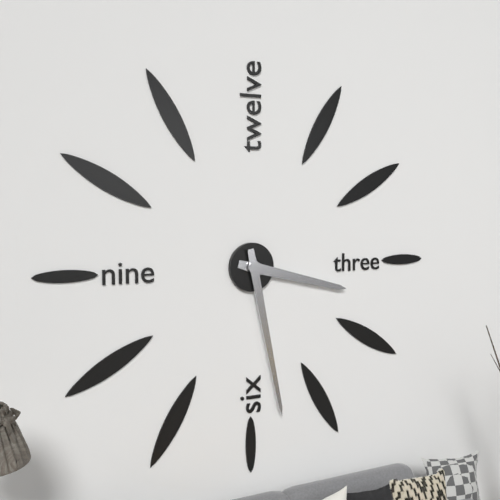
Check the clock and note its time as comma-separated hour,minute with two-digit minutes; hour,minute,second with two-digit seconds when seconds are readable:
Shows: 3,28
